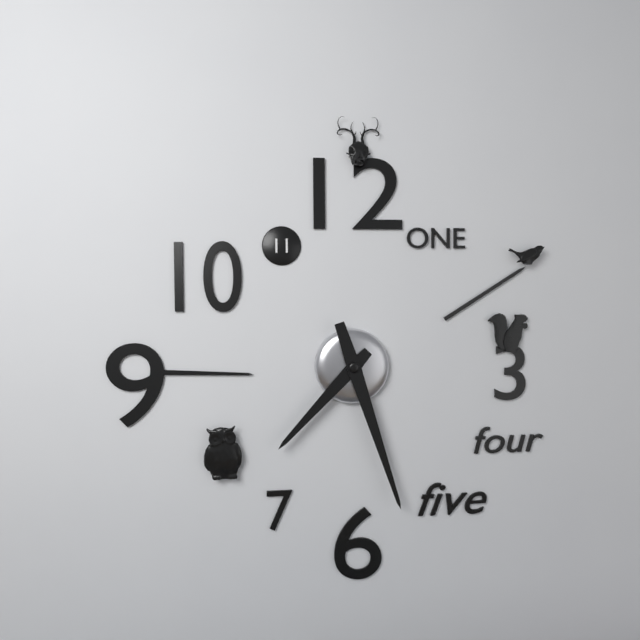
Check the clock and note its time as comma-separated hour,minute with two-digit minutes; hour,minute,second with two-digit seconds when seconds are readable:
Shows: 7,27
